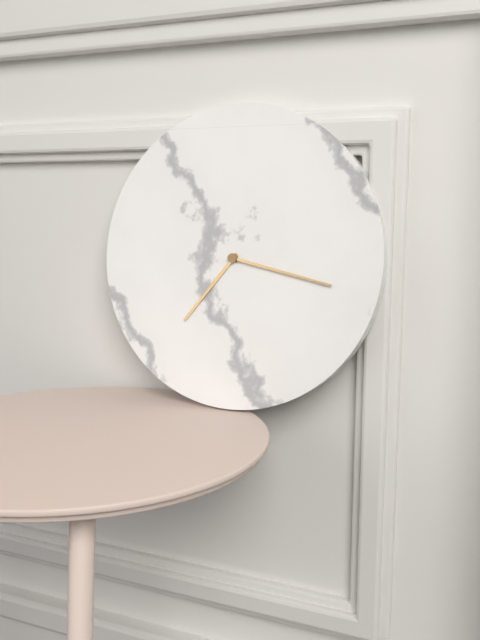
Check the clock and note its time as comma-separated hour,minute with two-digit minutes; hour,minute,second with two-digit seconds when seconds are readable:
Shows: 7,17
